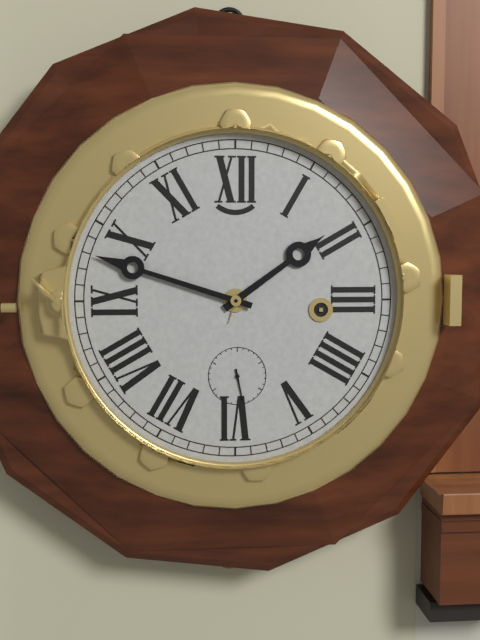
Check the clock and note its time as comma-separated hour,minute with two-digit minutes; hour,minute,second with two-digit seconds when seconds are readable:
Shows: 1,48
